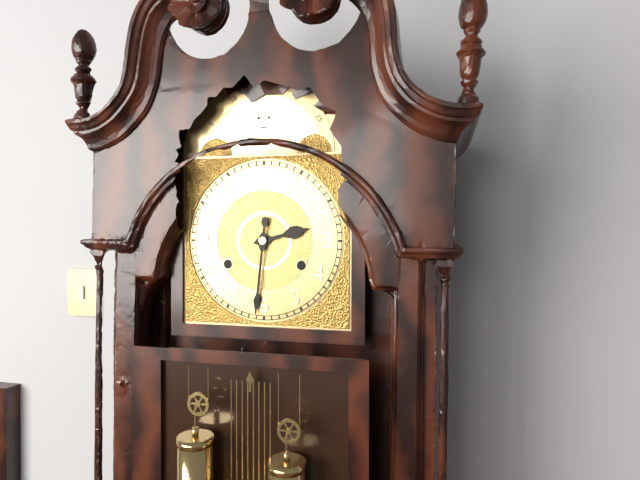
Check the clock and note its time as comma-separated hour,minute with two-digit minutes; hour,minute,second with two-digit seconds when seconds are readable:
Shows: 2,31
